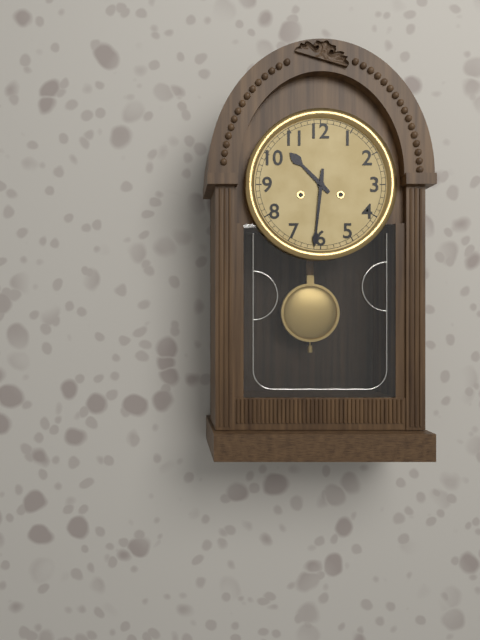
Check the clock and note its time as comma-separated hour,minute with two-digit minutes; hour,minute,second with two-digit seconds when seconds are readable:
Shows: 10,31
